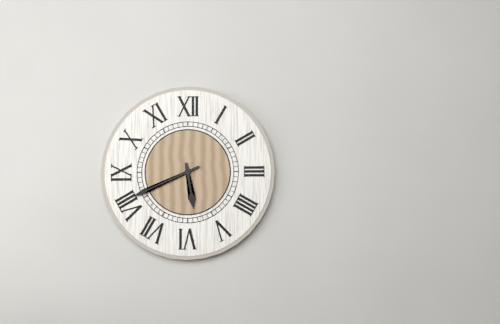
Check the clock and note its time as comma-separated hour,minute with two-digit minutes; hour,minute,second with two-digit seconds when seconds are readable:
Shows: 5,41
